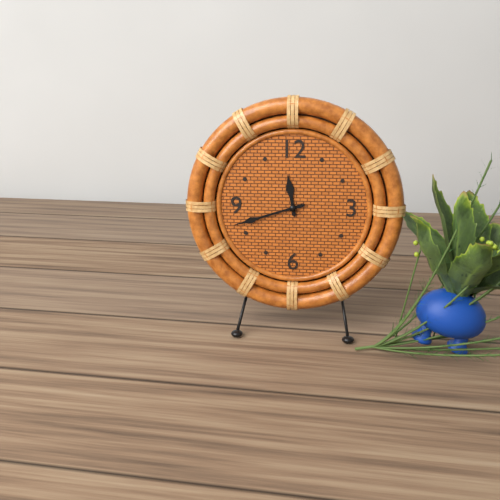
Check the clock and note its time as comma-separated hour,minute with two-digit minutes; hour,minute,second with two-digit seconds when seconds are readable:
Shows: 11,42
